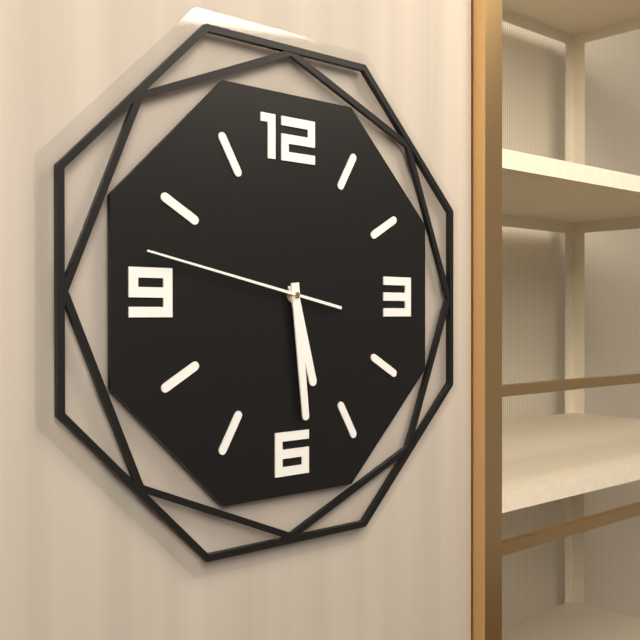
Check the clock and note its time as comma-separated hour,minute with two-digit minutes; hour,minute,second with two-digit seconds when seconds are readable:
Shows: 5,29,47
